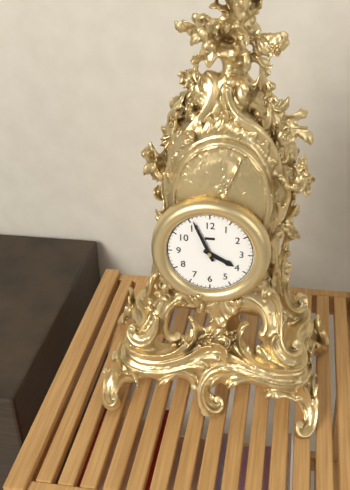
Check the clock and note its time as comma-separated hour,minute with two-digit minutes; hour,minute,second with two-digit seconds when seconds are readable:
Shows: 3,56
